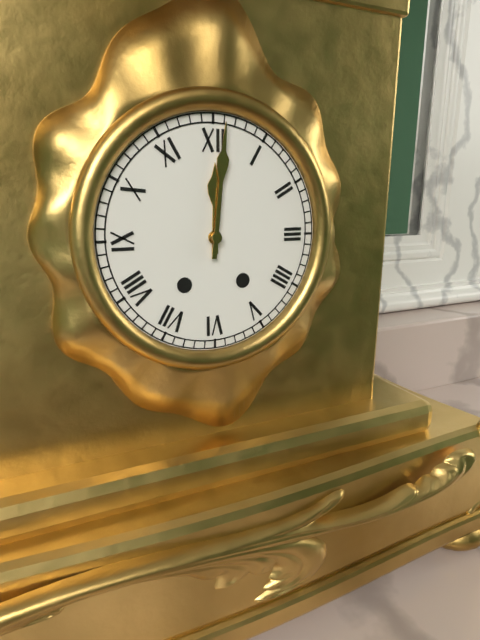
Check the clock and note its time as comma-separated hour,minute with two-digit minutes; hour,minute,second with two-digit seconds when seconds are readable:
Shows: 12,01
